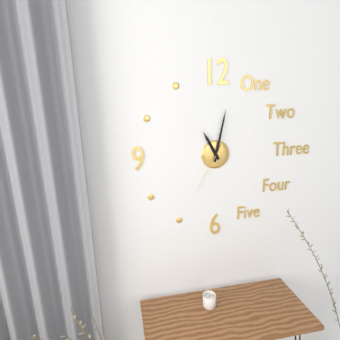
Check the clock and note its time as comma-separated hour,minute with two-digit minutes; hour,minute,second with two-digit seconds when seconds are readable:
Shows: 11,02,35
